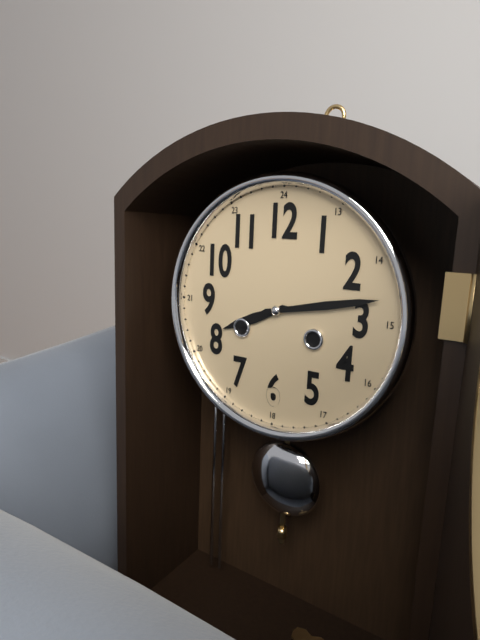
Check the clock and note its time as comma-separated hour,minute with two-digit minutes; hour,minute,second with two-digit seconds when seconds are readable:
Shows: 8,13
